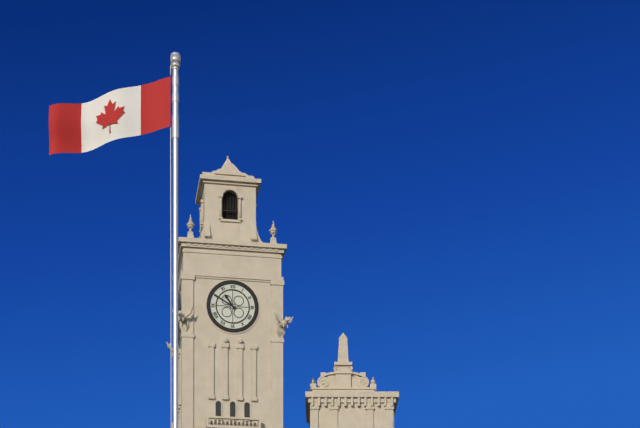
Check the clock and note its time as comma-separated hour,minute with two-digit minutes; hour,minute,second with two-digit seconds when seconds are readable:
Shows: 10,50
